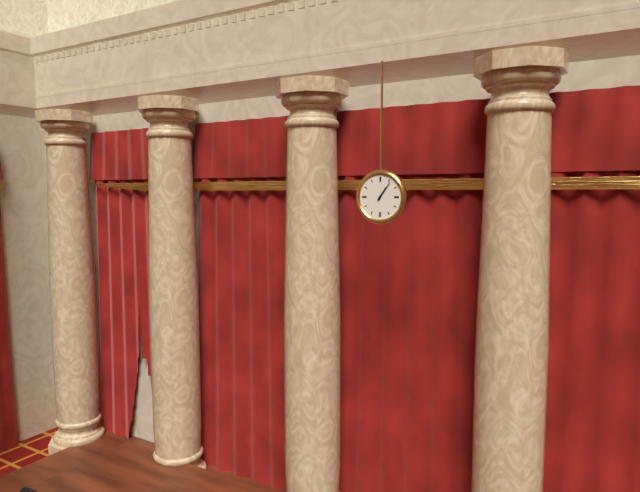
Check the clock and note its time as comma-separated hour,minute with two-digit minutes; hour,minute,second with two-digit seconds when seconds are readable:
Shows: 1,06
